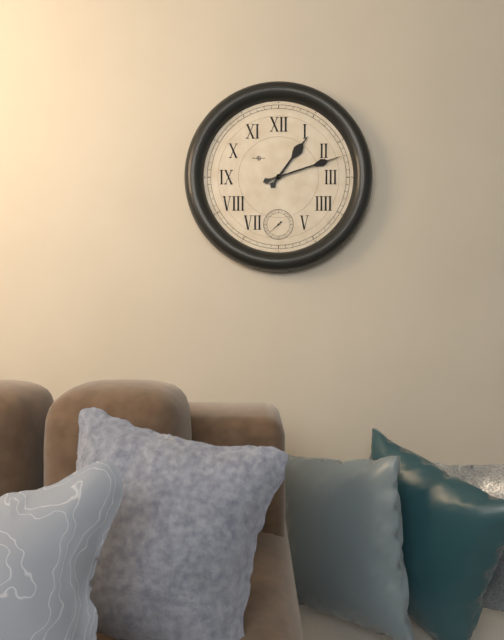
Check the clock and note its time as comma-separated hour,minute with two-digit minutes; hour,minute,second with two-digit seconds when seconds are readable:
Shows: 1,12
